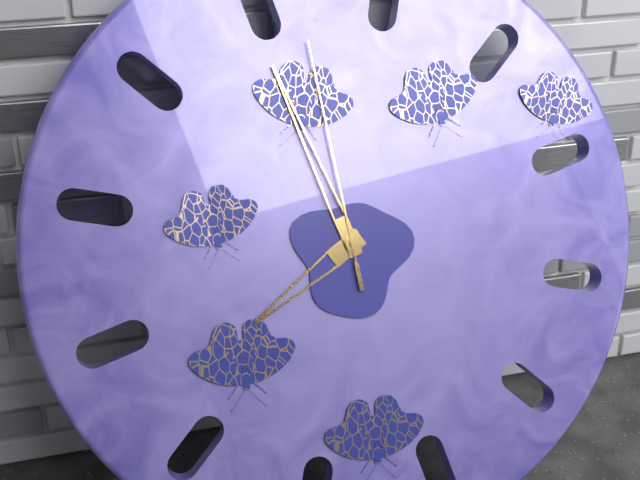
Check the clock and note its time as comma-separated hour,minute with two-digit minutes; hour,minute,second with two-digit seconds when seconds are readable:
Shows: 7,57,59
